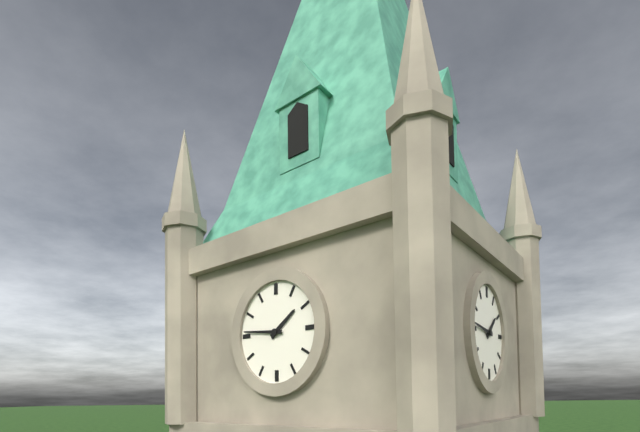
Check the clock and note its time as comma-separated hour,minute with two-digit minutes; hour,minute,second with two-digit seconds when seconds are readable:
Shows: 1,46
